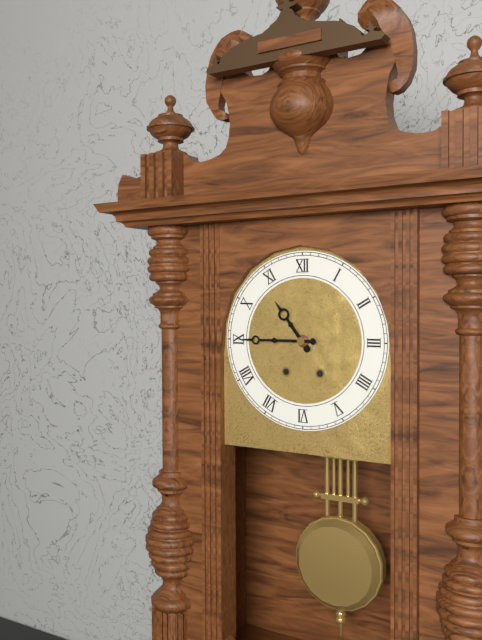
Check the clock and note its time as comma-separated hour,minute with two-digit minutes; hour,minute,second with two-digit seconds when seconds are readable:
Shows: 10,45
